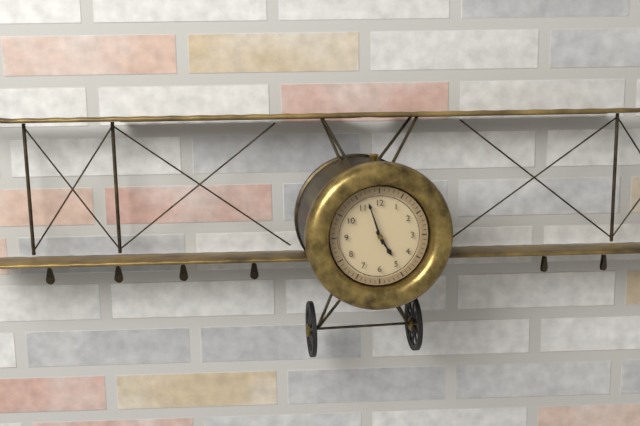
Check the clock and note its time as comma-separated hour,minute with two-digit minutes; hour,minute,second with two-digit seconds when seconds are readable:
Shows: 4,57
